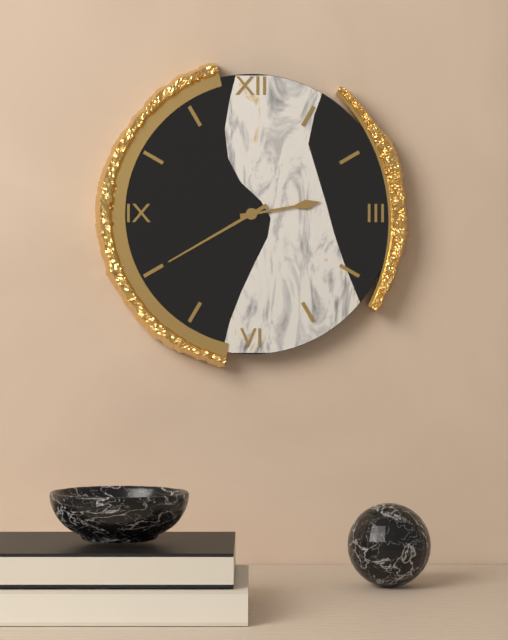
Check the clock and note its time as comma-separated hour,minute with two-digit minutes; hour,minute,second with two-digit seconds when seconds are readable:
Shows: 2,40
